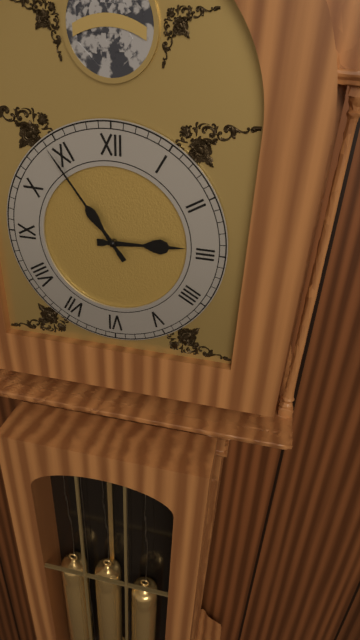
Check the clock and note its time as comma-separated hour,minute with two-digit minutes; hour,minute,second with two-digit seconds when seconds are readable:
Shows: 2,54
